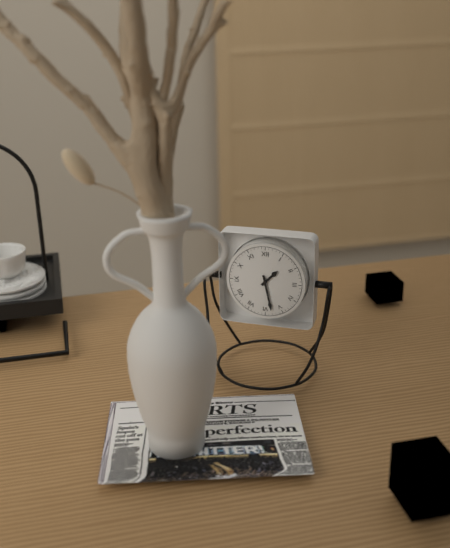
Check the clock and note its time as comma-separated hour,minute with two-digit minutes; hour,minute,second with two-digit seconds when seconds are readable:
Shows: 1,28
